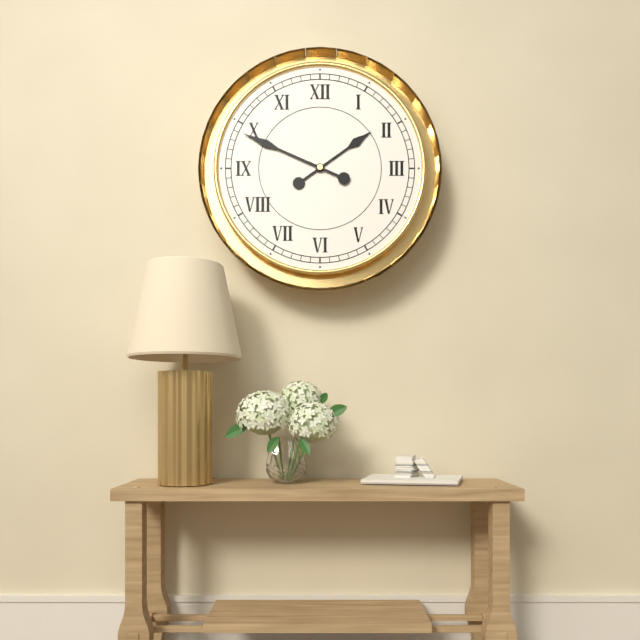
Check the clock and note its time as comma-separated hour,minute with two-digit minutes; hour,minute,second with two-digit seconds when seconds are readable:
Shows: 1,49
